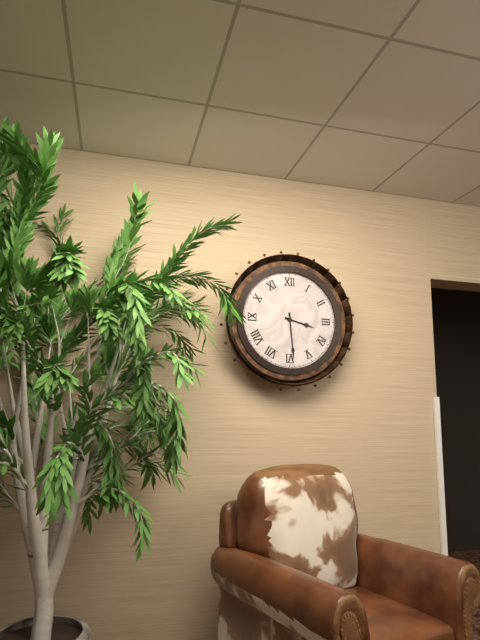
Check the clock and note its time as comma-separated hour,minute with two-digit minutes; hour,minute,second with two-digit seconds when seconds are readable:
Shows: 3,29
